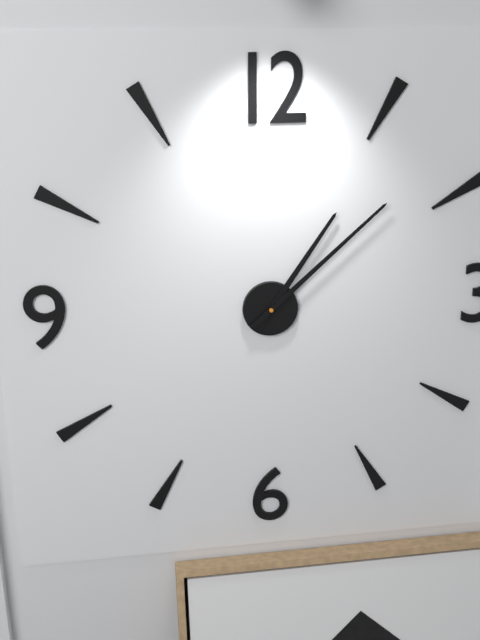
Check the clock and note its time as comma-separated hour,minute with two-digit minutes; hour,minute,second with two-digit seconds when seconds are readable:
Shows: 1,08
